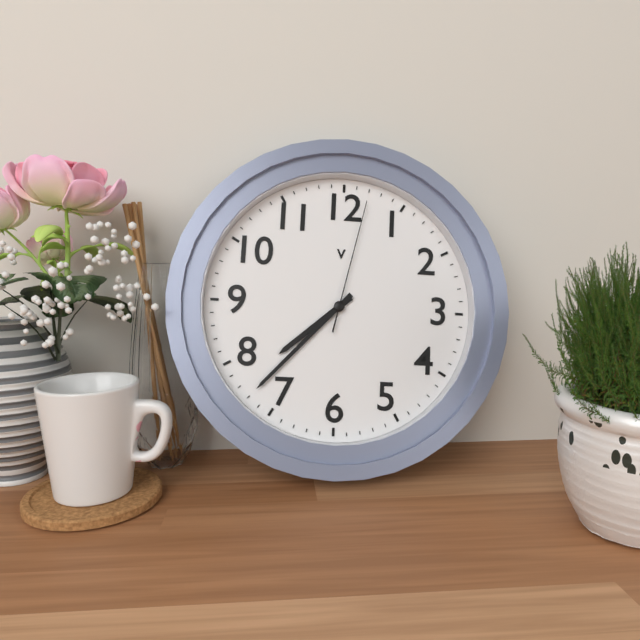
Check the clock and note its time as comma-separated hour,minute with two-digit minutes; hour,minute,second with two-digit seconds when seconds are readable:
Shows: 7,37,02
